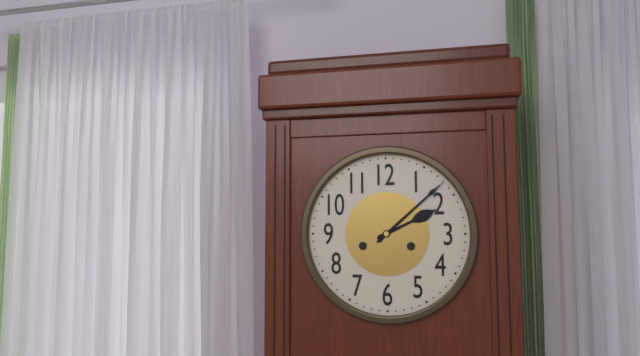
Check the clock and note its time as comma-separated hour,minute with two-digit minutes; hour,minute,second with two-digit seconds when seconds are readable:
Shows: 2,08
